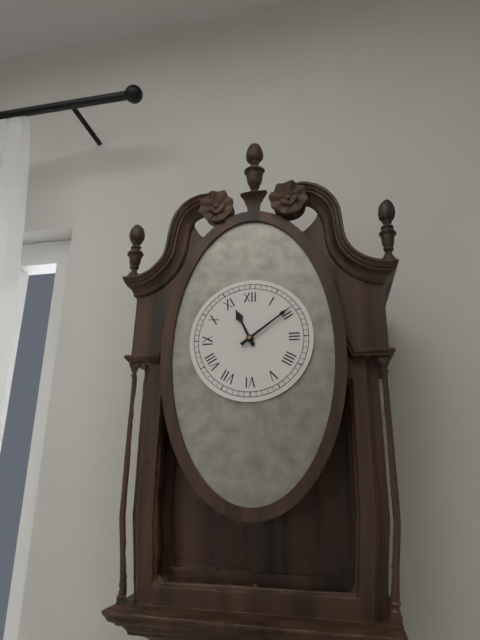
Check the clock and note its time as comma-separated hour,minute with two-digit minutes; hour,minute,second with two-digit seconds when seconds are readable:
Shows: 11,09
